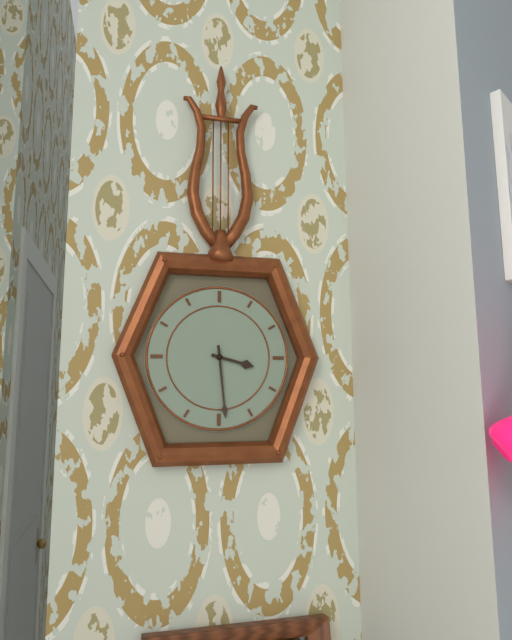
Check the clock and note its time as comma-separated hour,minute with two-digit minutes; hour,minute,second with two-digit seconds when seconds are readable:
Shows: 3,29
